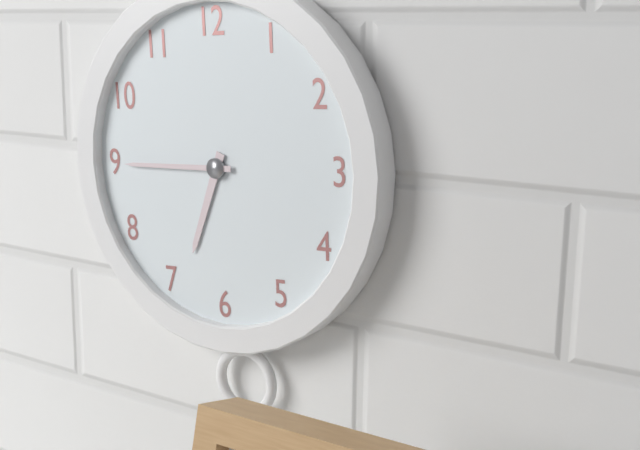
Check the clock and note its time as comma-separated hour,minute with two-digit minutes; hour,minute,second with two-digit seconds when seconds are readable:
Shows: 6,45
